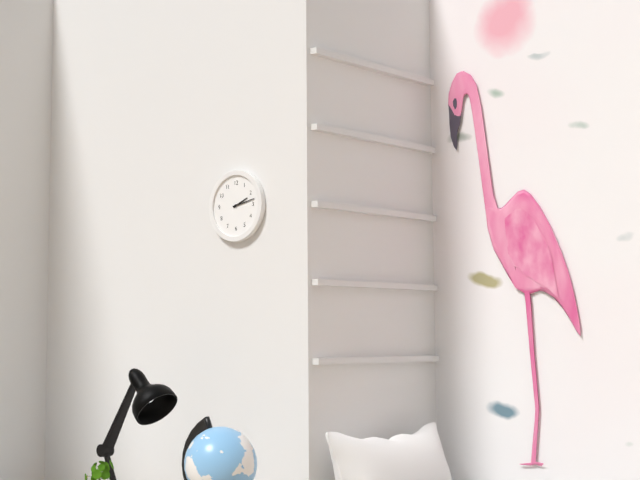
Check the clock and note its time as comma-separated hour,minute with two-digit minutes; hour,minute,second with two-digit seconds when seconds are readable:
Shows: 2,13
